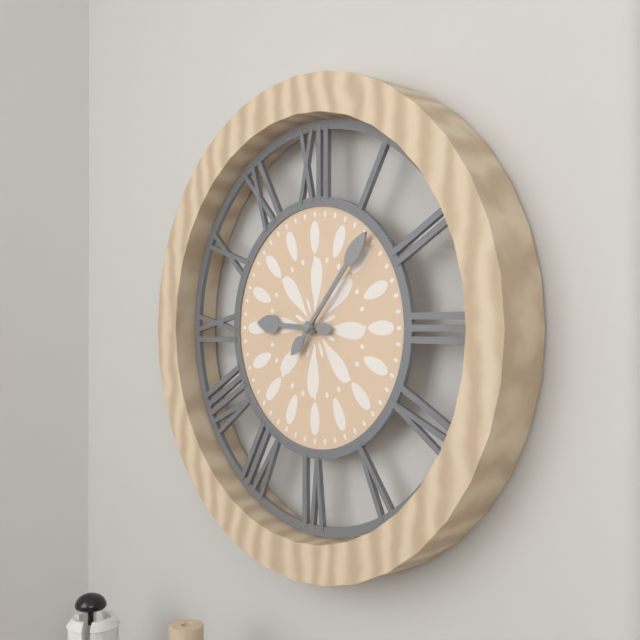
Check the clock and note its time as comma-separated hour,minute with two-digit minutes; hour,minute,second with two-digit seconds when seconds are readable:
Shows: 9,07
